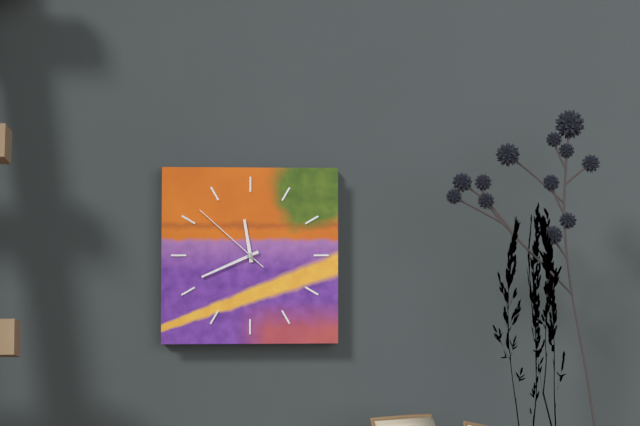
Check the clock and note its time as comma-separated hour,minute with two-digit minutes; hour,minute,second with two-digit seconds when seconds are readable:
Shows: 11,41,52
